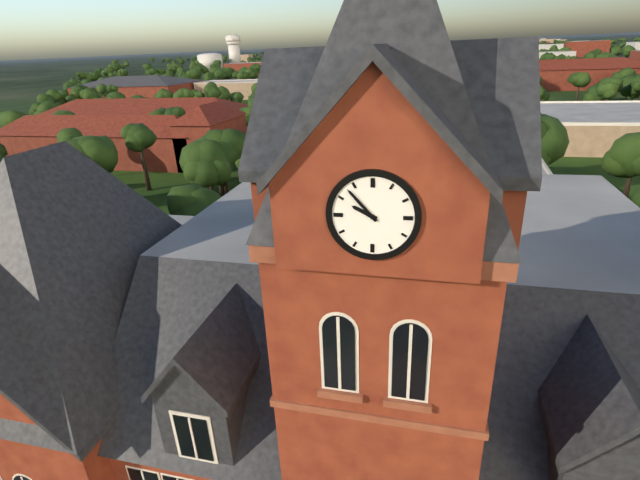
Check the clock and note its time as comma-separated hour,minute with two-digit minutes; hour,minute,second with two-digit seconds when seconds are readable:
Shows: 9,53
